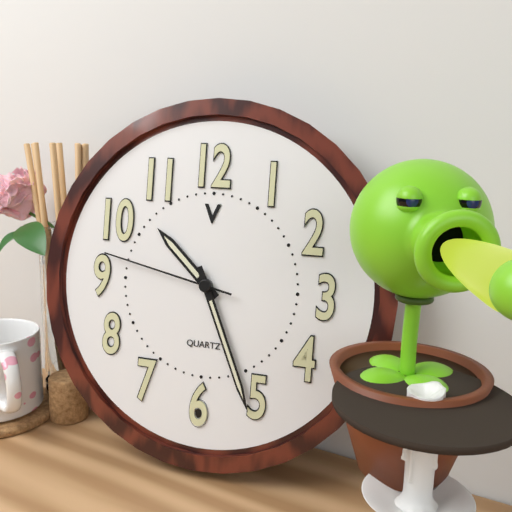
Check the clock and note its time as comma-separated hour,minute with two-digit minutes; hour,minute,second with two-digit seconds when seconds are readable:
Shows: 10,26,47
